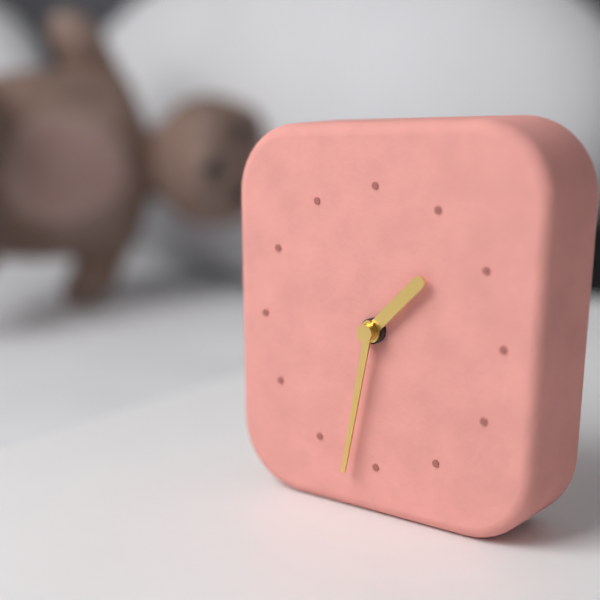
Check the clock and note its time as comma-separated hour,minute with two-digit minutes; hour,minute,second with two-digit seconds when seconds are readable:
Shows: 1,32
